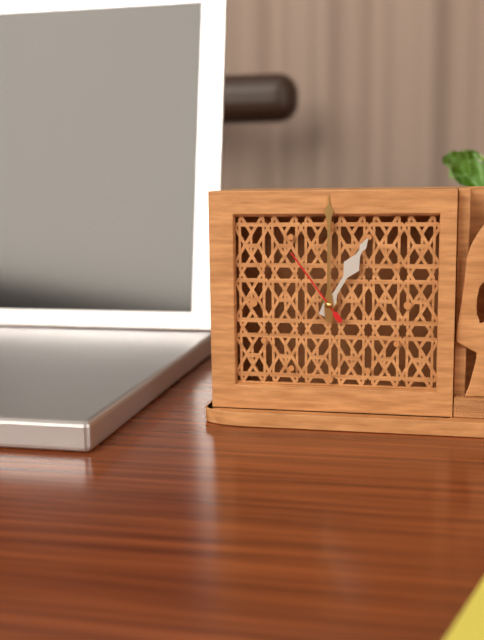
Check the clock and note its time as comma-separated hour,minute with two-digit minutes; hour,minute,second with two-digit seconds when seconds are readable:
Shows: 1,00,54
